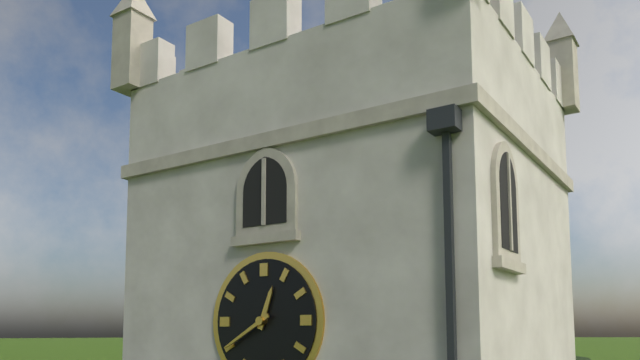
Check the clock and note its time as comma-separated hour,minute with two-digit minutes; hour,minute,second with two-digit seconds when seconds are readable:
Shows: 12,40
